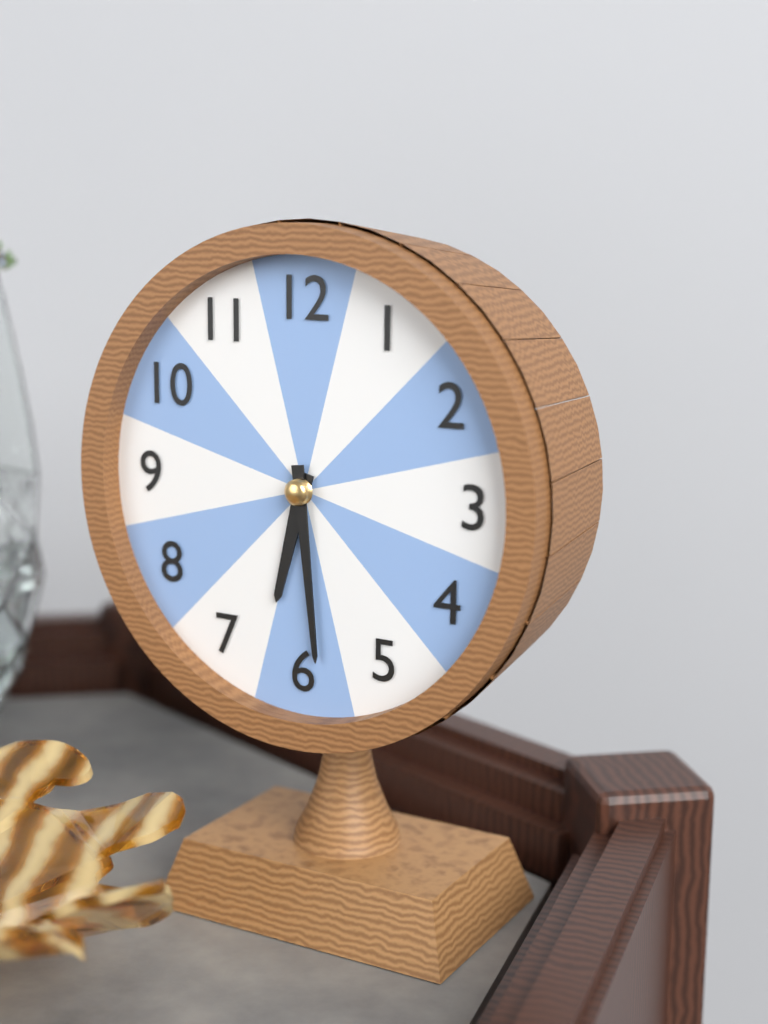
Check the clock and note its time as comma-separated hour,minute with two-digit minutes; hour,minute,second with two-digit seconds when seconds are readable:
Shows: 6,29
